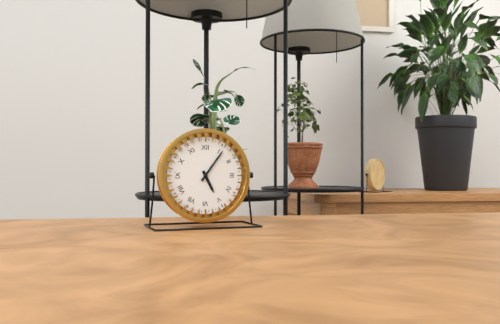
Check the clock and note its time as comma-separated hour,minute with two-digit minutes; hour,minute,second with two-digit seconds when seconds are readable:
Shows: 5,06
